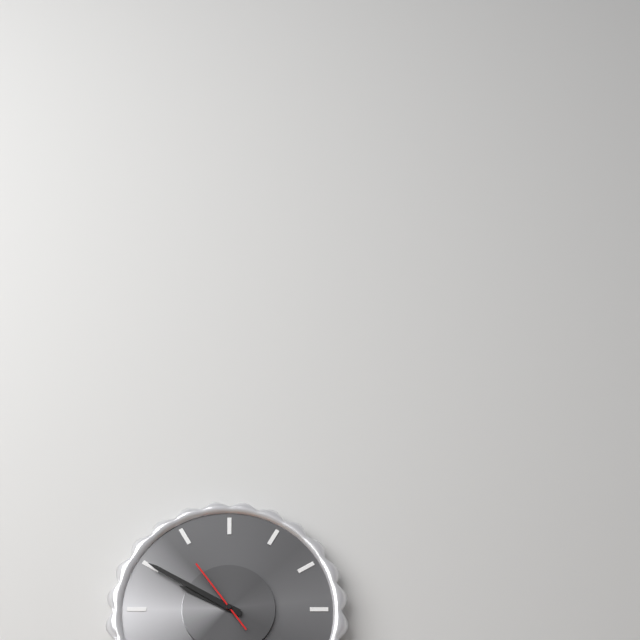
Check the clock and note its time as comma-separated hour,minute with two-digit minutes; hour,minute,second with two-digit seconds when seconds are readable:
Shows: 9,50,54
